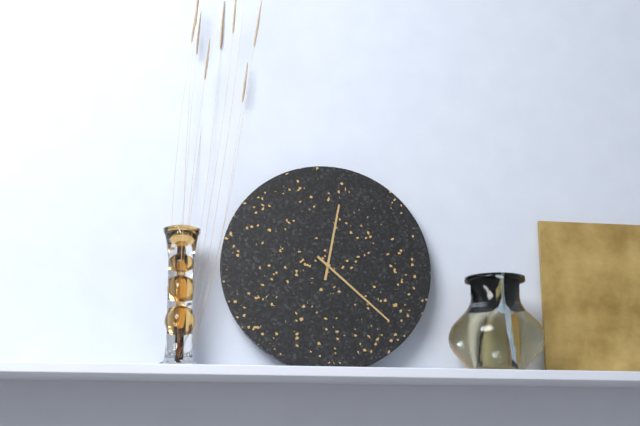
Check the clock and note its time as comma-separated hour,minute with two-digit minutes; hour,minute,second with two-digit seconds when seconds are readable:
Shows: 12,22
